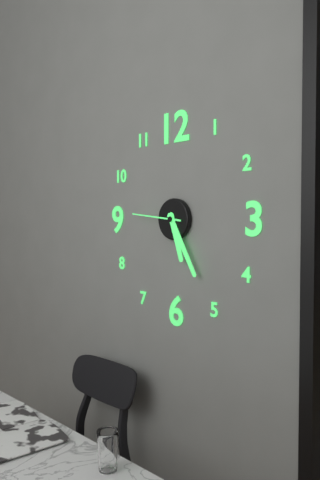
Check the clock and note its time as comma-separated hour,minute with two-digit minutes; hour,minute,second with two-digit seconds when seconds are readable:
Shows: 5,25
